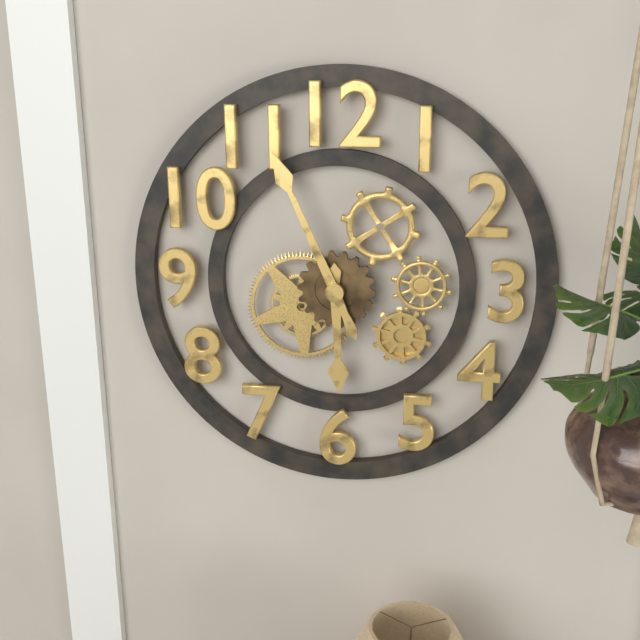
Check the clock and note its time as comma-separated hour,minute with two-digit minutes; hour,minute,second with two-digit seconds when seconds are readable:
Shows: 5,56
